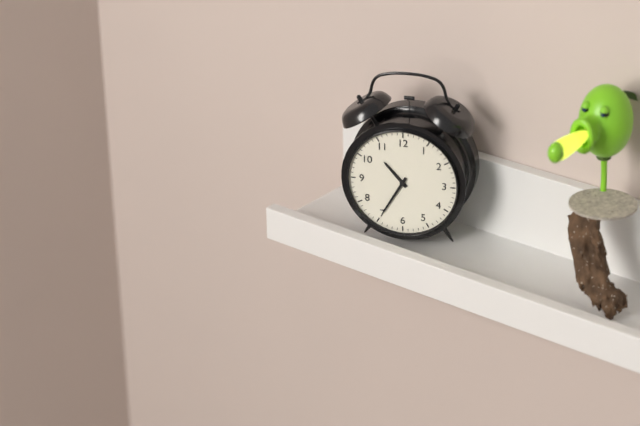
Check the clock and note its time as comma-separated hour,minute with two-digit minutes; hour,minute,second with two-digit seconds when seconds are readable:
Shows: 10,35
